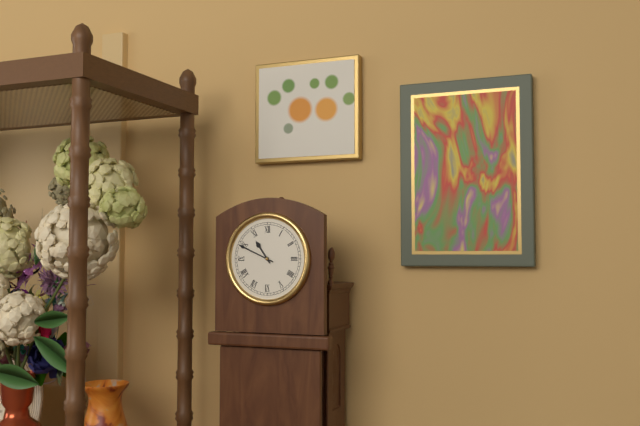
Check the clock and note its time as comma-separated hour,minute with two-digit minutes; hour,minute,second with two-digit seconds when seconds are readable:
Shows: 10,49
